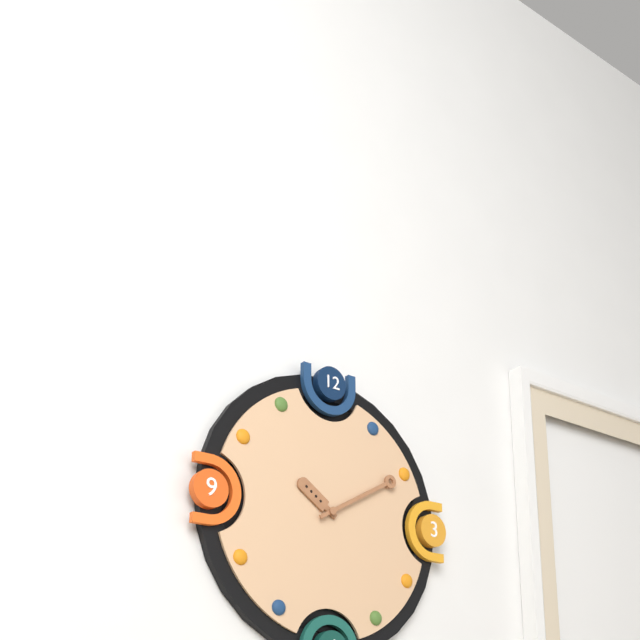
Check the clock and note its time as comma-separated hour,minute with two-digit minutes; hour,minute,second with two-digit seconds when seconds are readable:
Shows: 10,10
